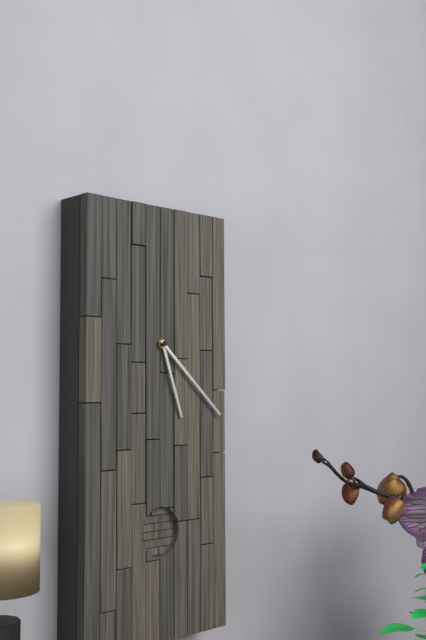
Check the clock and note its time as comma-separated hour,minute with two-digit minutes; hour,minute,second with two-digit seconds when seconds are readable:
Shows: 5,22
